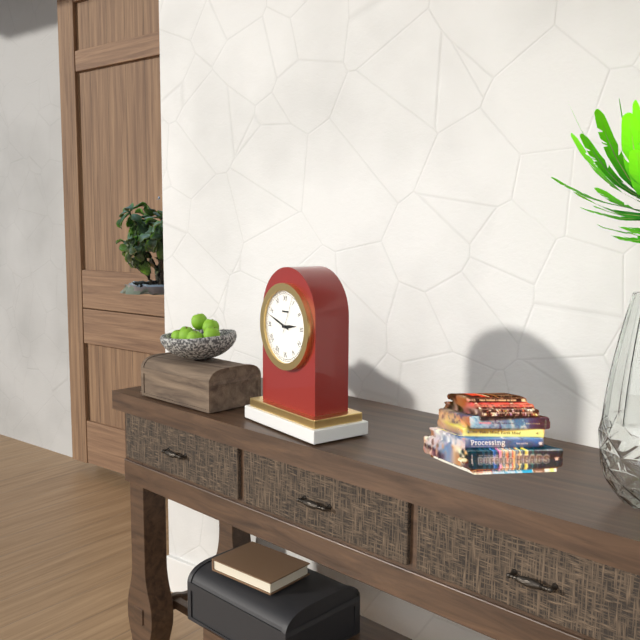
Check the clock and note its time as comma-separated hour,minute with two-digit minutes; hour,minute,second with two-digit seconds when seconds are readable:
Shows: 2,48
